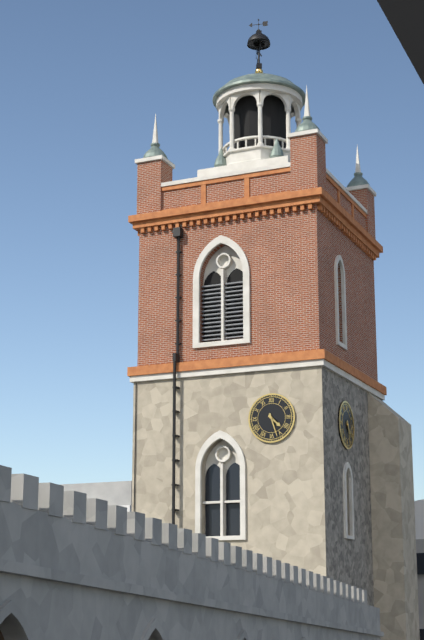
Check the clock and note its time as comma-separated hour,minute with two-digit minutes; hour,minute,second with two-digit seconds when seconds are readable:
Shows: 4,27
